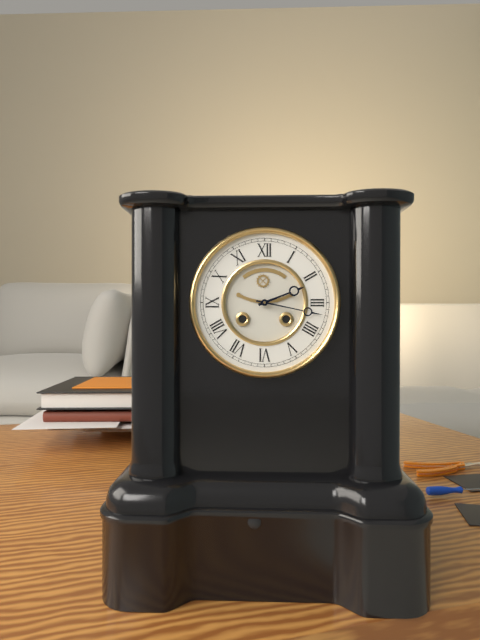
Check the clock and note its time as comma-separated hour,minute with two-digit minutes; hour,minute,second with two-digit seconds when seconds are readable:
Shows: 2,17
